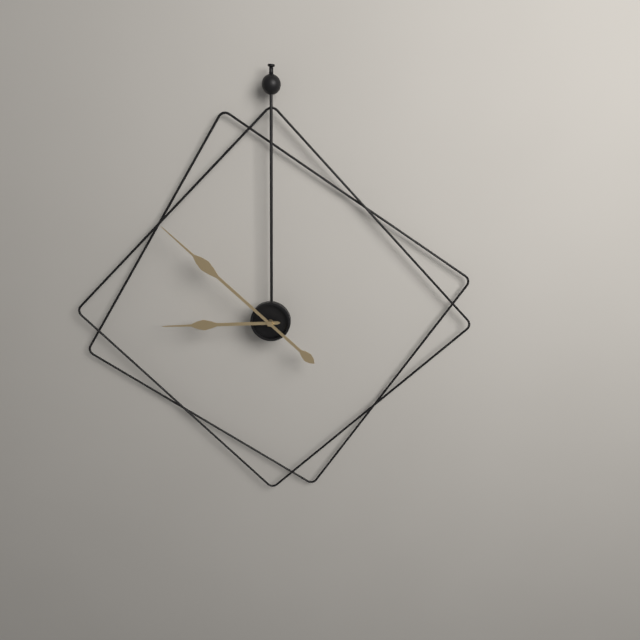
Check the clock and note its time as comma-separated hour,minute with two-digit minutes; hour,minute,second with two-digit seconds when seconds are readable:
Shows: 8,52
